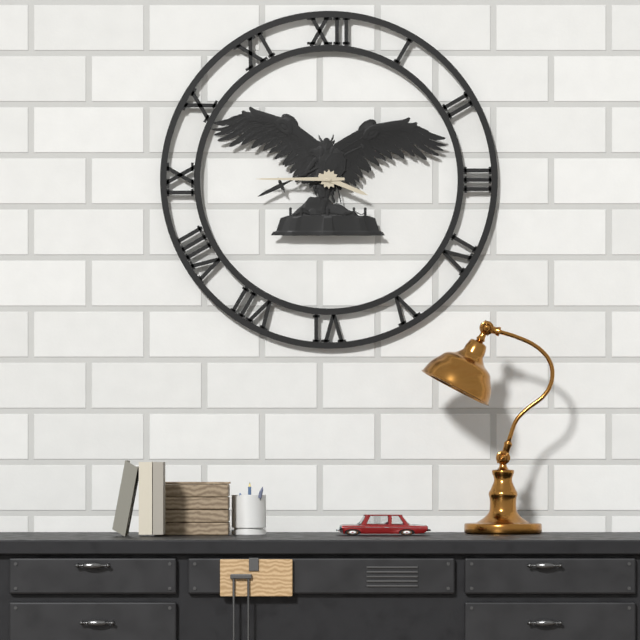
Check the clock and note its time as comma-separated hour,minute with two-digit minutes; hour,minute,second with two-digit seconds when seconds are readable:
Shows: 3,45
